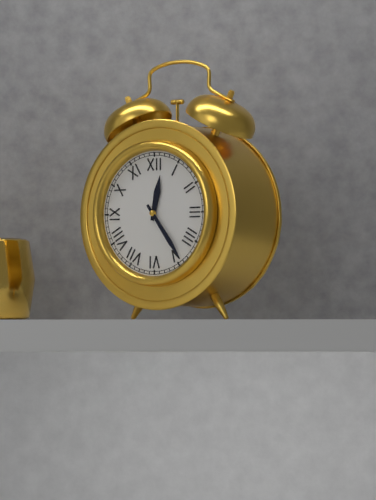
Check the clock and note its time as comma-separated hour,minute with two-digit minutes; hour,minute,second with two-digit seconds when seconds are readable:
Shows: 12,24
